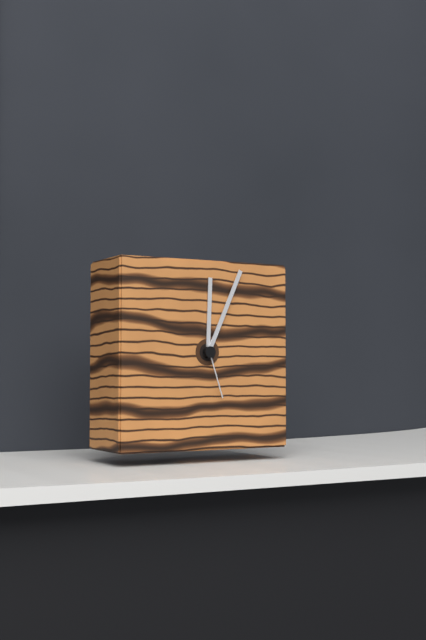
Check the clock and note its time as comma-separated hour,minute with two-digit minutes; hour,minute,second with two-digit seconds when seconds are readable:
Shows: 12,04,27
